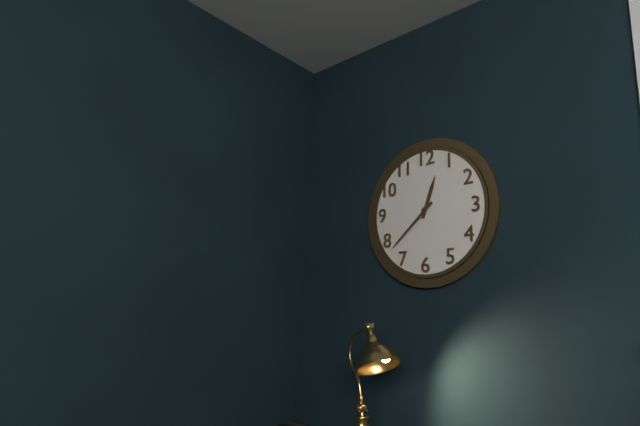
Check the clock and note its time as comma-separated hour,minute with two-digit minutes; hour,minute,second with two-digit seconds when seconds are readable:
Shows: 12,38
